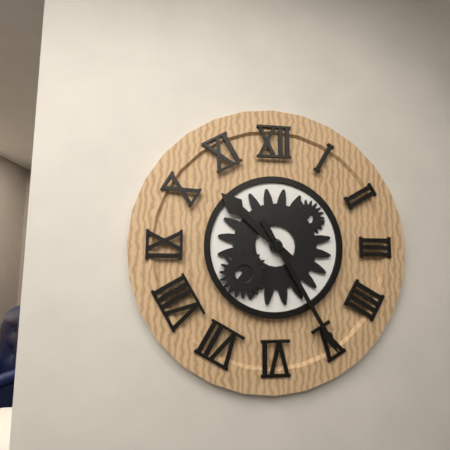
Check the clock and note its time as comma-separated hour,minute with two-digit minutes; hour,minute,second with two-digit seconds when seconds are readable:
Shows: 10,25
